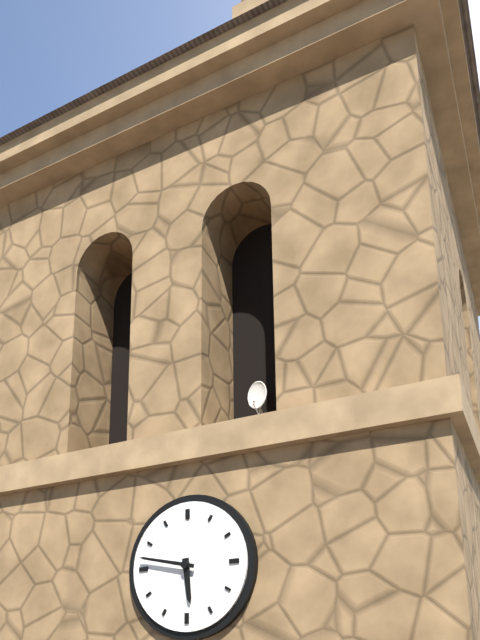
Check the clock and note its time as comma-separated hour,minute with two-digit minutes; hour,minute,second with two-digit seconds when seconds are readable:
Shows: 5,47
